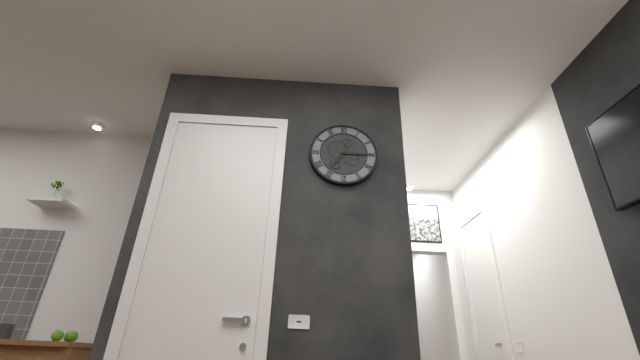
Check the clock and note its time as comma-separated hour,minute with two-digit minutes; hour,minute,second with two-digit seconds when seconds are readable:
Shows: 7,15
